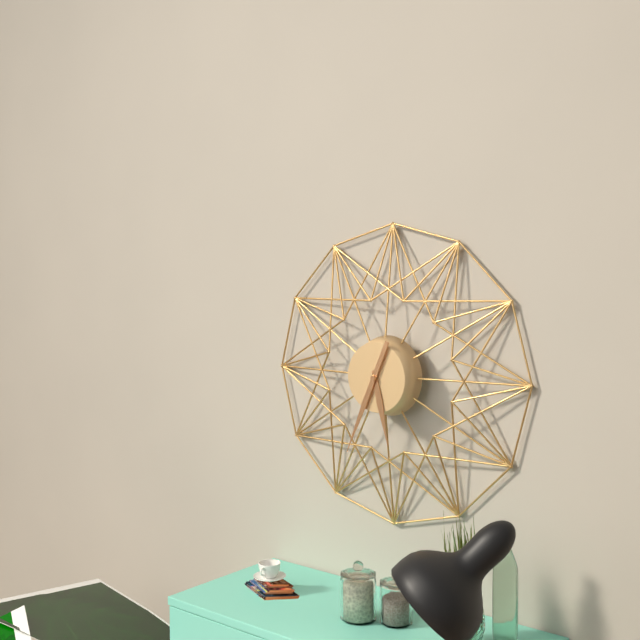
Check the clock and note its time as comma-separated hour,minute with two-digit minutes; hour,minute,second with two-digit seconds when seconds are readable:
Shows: 5,34
